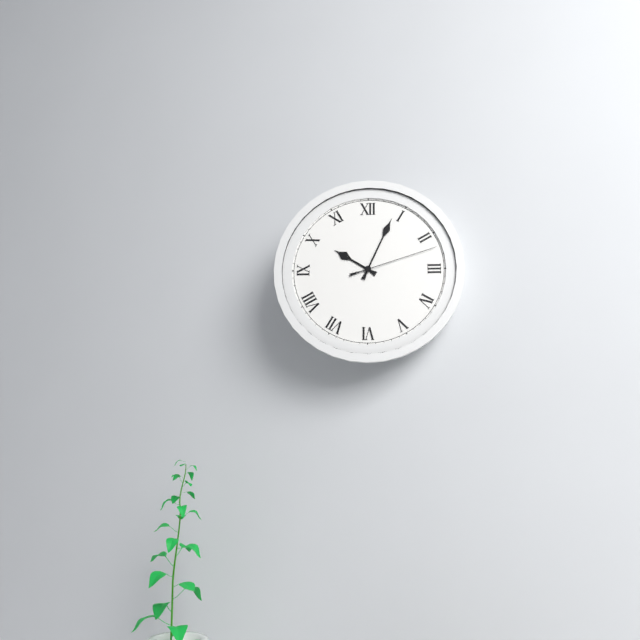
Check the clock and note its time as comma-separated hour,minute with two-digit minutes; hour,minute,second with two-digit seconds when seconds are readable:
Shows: 10,04,12
